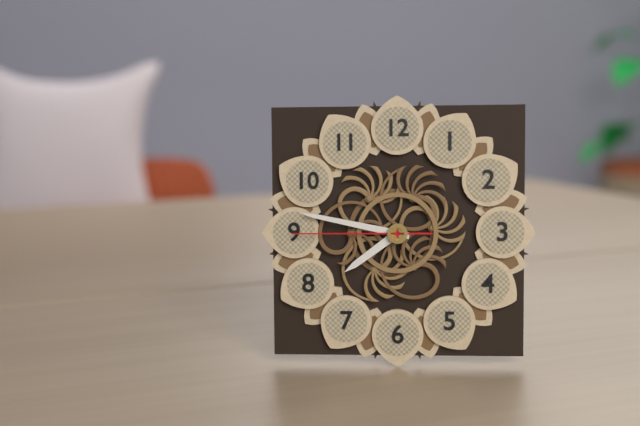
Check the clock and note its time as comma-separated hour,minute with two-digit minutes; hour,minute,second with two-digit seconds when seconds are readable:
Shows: 7,47,45
